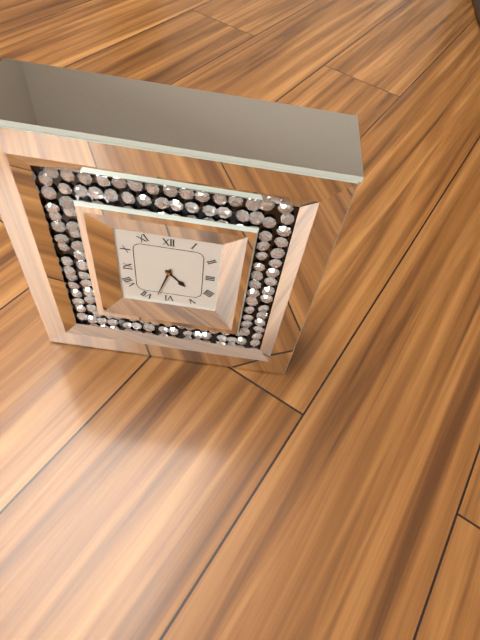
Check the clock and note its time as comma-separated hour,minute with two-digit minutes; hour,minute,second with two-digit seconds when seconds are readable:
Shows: 4,33
